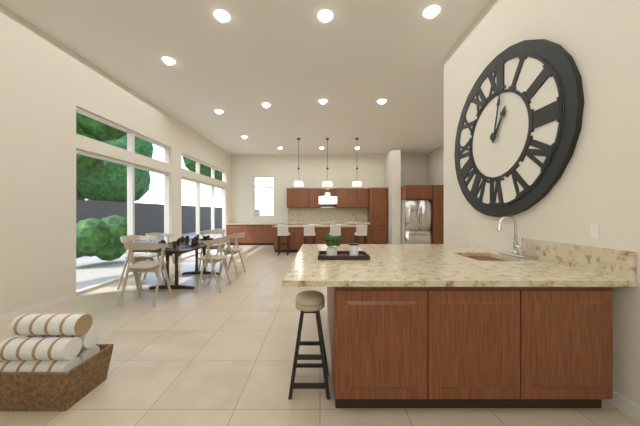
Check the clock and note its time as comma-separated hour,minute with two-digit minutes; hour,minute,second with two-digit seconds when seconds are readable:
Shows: 1,02
